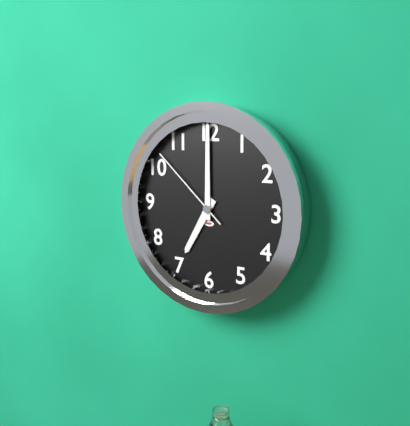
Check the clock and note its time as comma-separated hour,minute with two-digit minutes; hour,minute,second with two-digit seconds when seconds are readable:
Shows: 7,00,52
